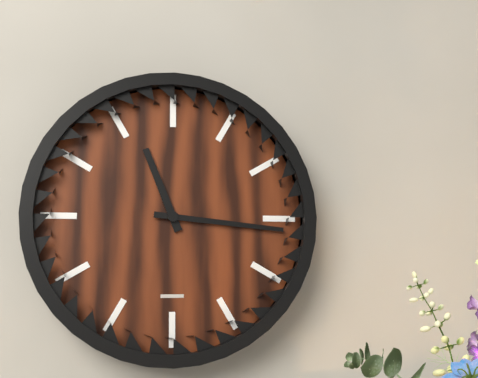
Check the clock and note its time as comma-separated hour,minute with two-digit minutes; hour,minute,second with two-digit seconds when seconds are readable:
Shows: 11,16
